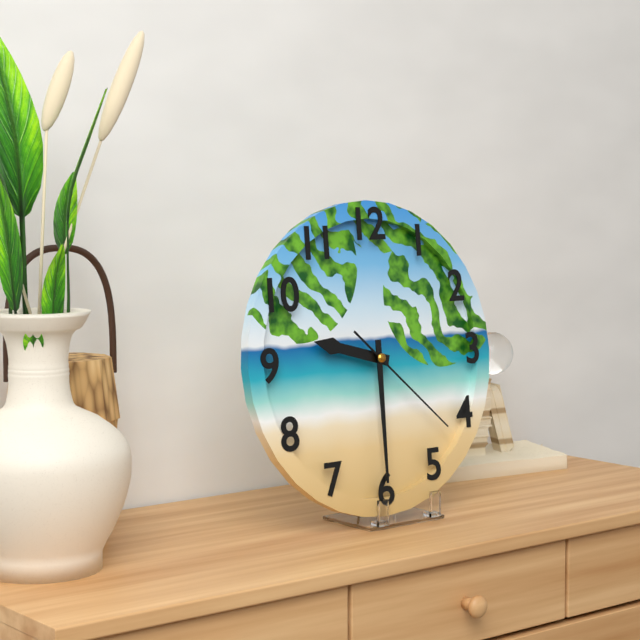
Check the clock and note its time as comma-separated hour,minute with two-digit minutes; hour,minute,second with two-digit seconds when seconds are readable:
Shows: 9,30,22
